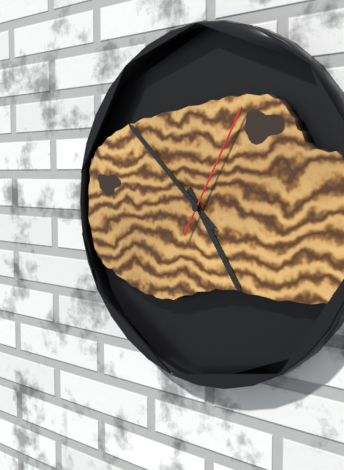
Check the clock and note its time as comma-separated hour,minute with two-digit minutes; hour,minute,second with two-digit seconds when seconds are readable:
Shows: 4,52,05
